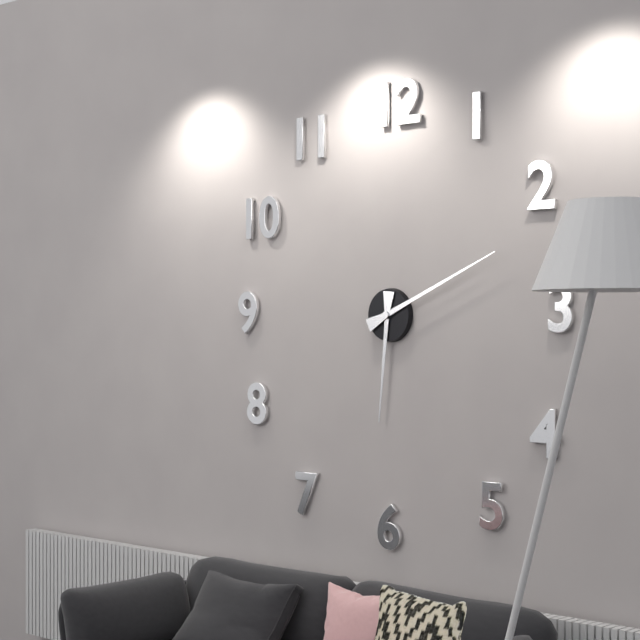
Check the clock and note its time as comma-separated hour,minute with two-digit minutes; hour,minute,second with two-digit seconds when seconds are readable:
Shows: 6,11
